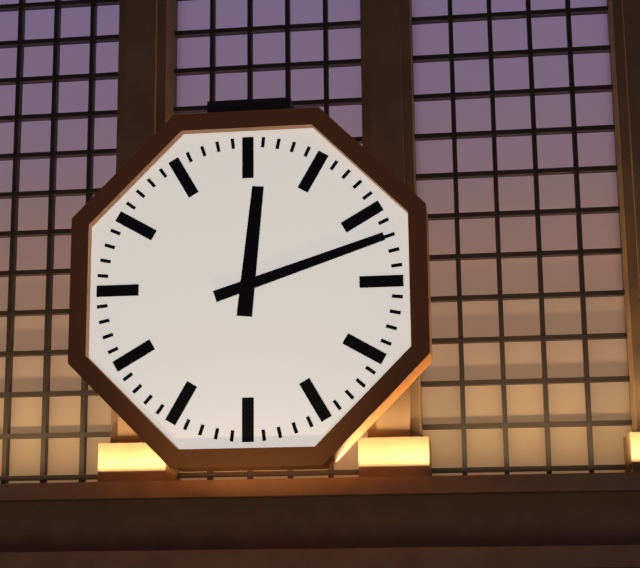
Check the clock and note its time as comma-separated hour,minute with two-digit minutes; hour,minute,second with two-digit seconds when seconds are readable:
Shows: 12,12
